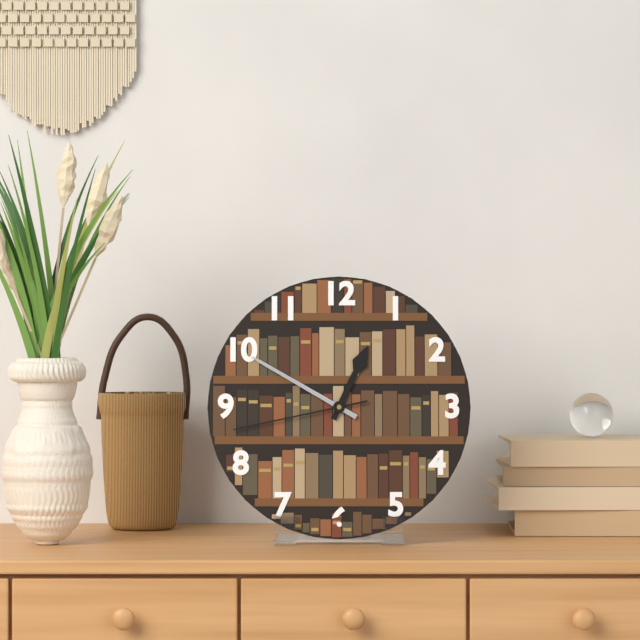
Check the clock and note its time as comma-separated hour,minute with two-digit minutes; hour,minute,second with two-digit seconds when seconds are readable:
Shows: 12,50,43
